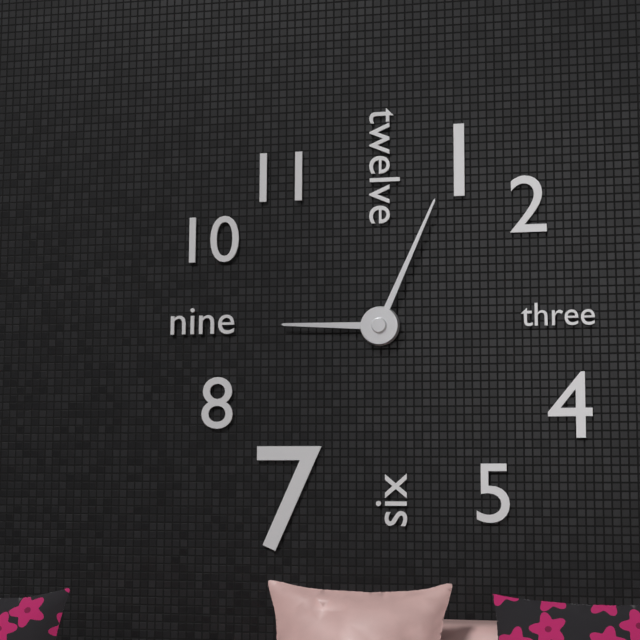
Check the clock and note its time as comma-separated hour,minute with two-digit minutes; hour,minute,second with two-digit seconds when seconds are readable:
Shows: 9,04
